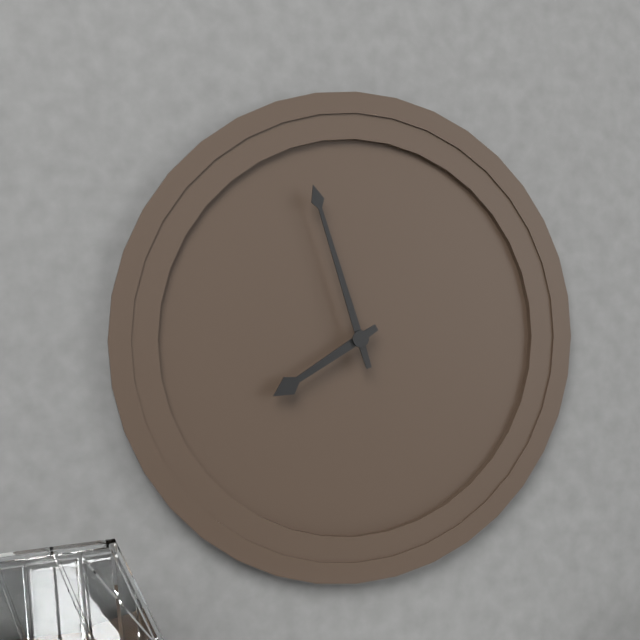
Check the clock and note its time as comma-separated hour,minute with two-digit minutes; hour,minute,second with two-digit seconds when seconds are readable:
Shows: 7,57
